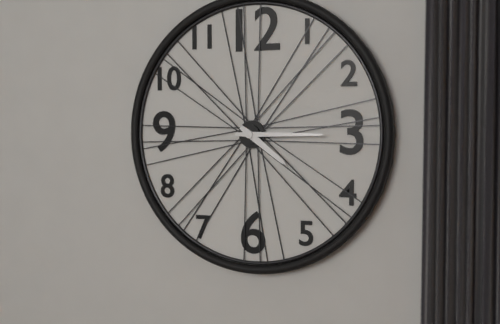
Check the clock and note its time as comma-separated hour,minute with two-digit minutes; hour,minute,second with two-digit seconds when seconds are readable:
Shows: 4,15
